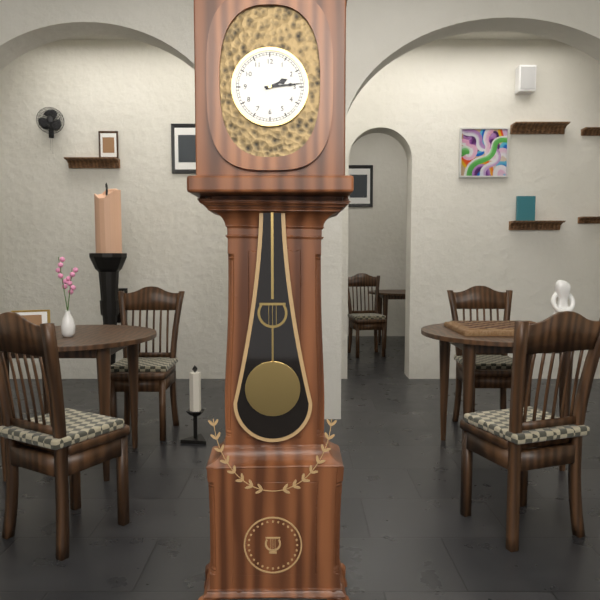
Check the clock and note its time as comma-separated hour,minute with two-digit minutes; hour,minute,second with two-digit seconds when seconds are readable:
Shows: 2,14
